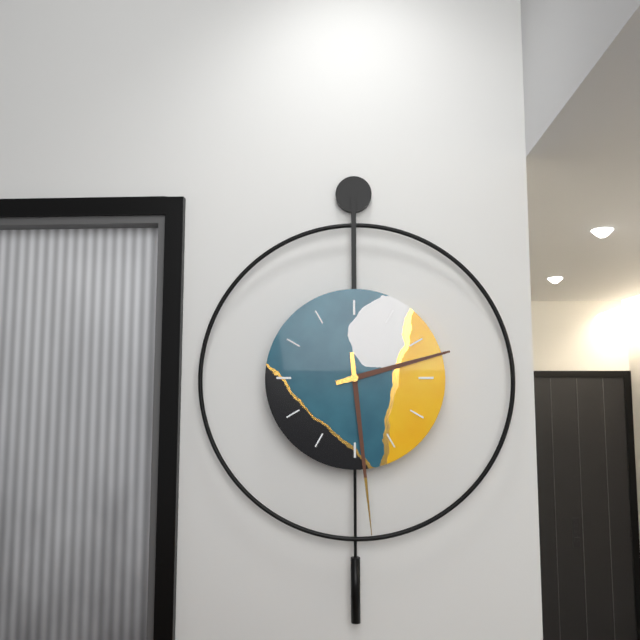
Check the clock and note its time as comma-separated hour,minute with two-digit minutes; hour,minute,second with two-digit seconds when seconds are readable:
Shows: 2,29
